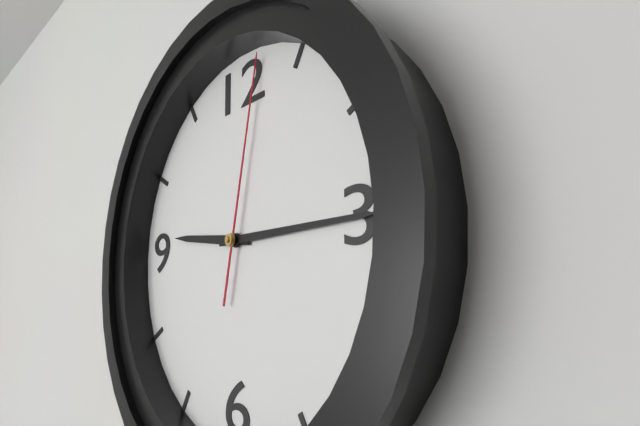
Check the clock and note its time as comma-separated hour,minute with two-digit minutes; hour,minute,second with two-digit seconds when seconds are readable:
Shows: 9,15,02
